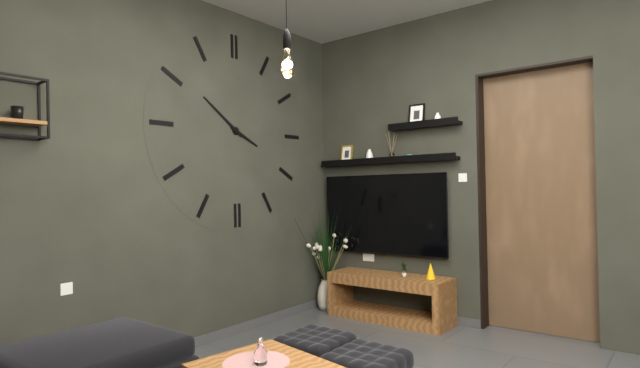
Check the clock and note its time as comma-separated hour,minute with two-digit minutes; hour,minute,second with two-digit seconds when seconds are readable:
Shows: 3,51
